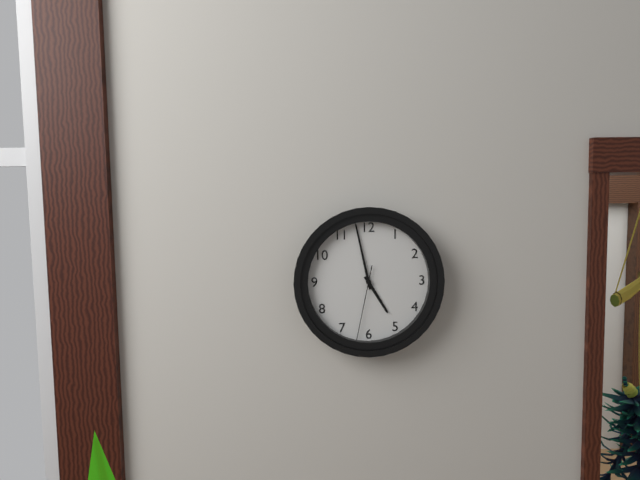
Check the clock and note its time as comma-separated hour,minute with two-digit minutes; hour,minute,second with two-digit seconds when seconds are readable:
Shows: 4,58,32
